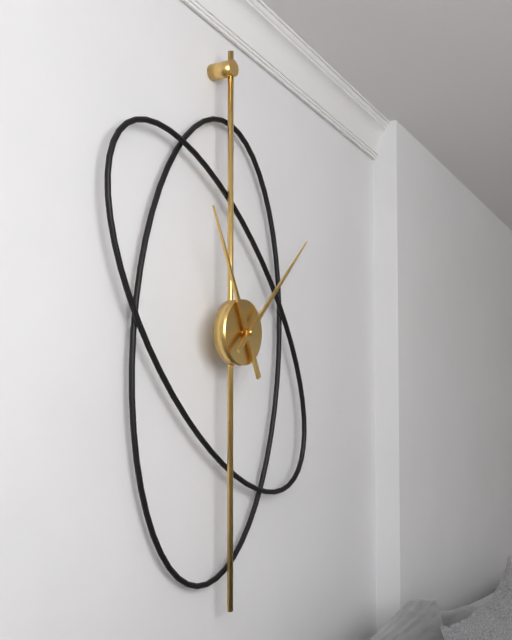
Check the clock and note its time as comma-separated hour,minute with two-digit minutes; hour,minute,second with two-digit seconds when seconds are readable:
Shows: 11,08
